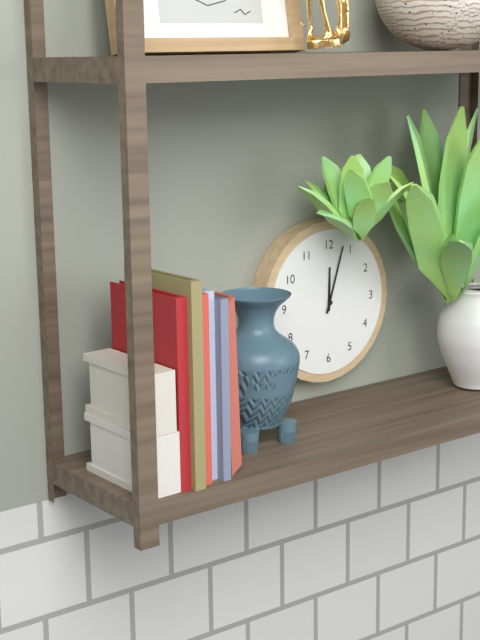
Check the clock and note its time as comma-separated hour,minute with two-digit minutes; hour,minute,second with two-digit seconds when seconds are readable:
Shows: 12,03
